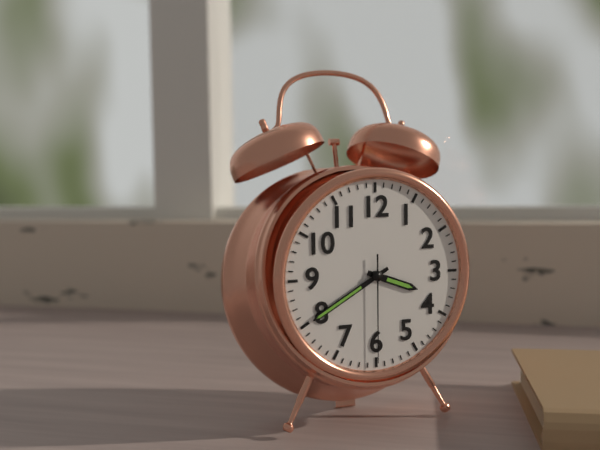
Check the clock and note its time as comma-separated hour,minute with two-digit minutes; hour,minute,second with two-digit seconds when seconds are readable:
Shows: 3,40,30
